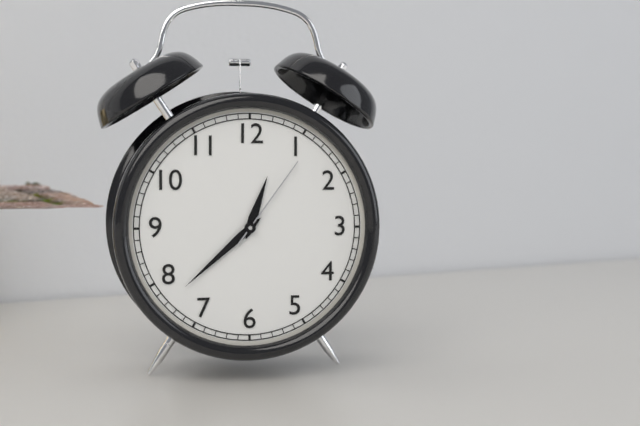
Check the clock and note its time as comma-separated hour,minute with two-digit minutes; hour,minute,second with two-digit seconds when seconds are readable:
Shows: 12,38,06
